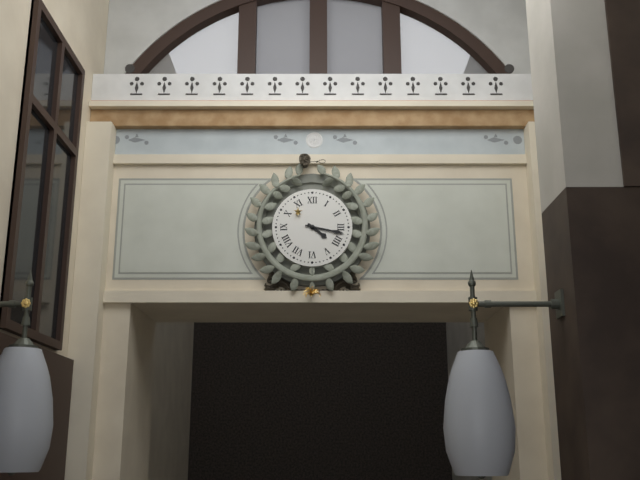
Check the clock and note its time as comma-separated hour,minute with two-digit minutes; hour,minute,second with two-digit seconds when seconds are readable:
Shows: 4,17
